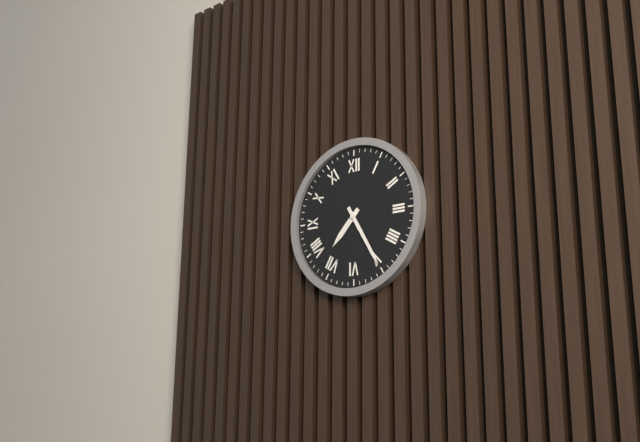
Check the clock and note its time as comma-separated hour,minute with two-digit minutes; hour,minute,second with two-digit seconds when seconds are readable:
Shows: 7,25
